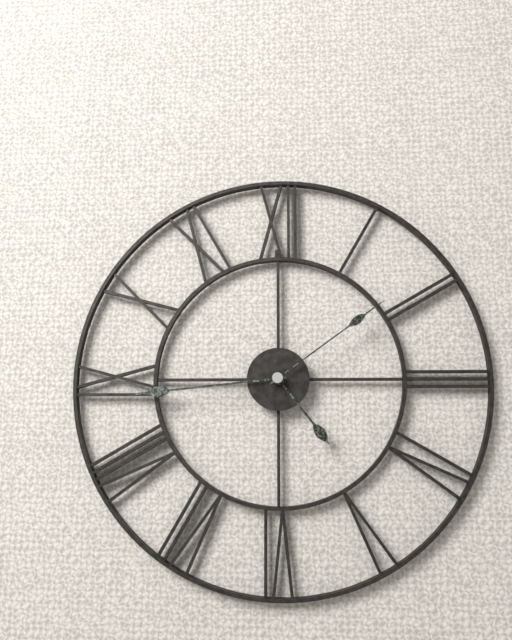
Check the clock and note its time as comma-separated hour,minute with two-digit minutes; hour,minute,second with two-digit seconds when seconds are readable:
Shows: 4,44,09
